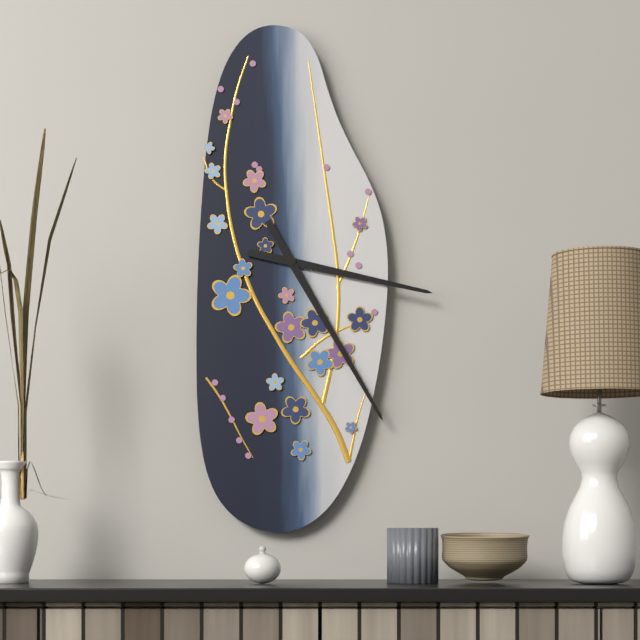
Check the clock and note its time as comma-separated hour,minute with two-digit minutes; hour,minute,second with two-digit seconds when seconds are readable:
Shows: 3,25
